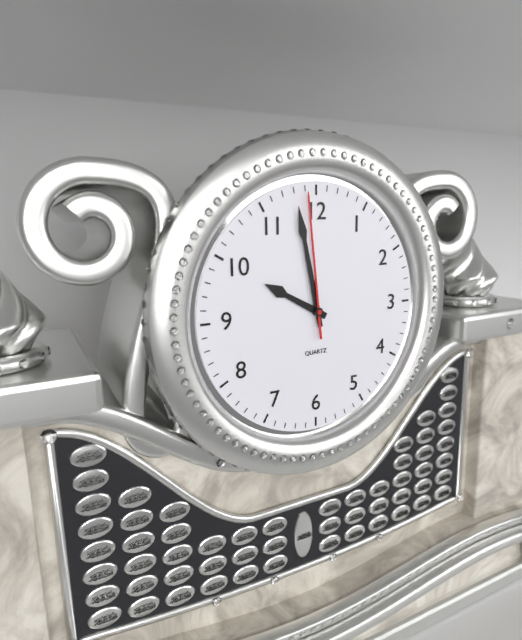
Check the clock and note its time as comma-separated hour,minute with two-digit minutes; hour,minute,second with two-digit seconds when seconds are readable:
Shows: 9,58,59
